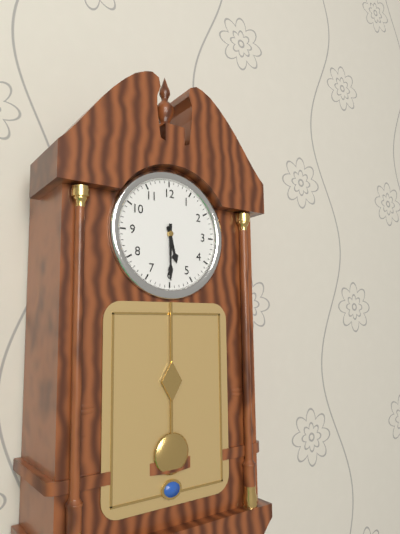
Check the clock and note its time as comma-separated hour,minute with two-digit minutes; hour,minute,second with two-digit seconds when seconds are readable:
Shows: 5,30
